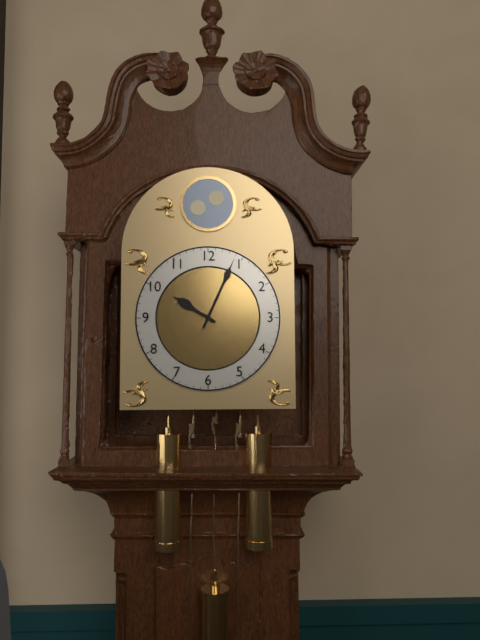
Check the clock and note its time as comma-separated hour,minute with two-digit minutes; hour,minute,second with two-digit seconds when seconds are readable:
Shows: 10,04
